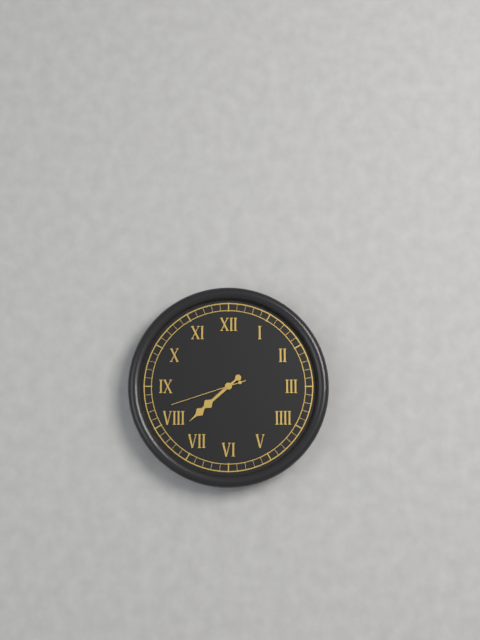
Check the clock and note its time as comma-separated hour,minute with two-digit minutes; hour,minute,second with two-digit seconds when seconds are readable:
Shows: 7,38,42
